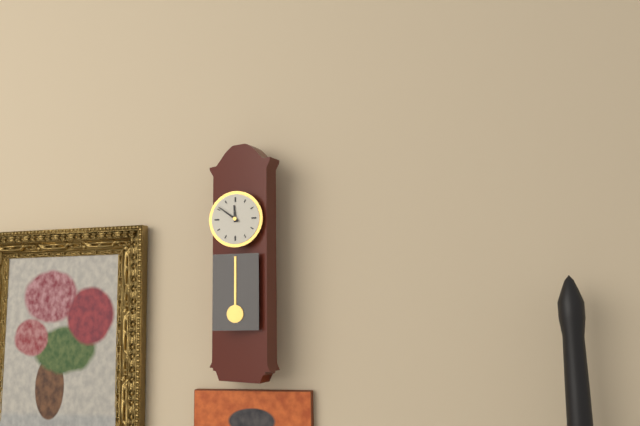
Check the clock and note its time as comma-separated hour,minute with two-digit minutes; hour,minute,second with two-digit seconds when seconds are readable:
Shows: 11,51
